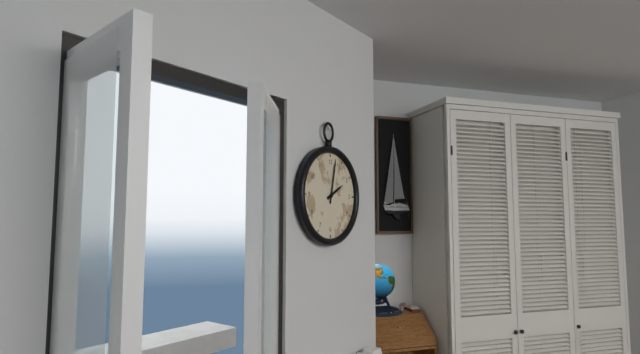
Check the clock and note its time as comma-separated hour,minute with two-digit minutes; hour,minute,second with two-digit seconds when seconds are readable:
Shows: 2,02
